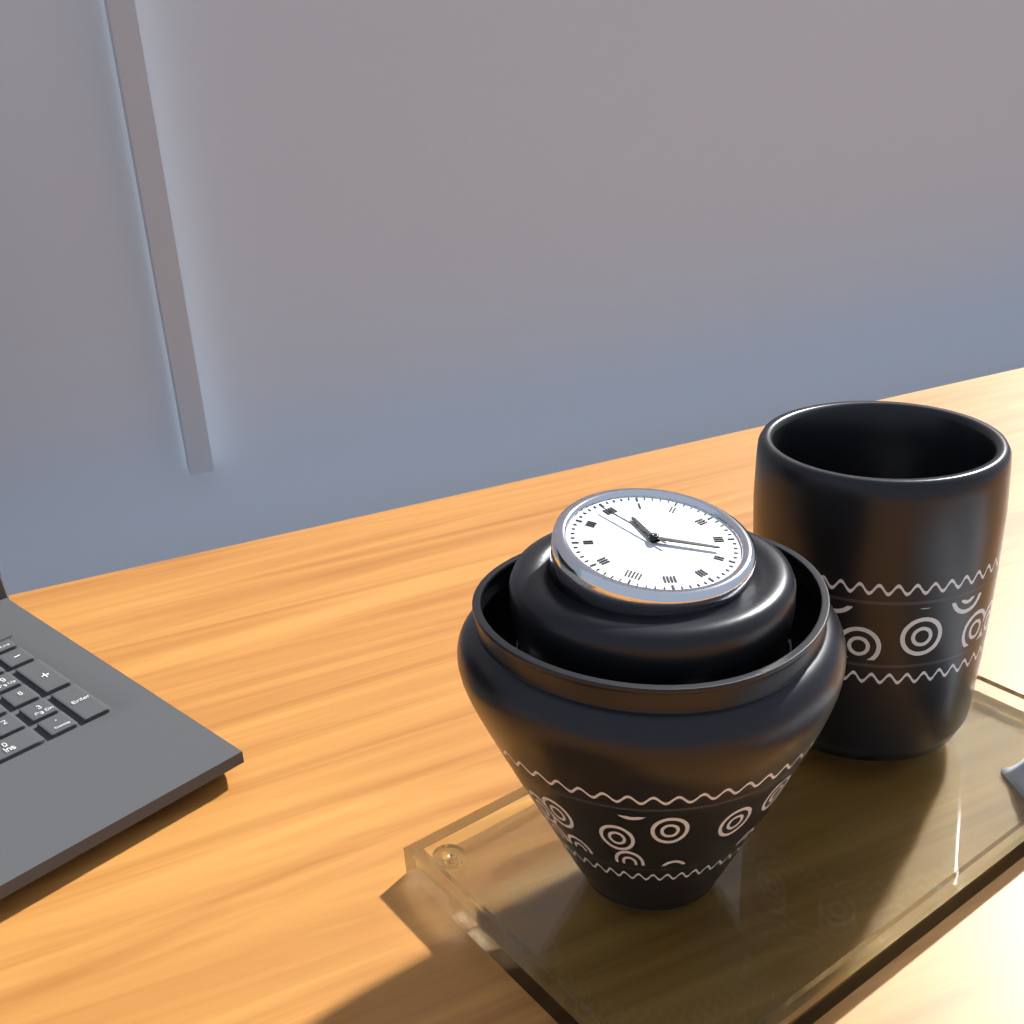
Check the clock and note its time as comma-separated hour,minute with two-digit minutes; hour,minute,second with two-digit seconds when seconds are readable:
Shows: 12,23,59
